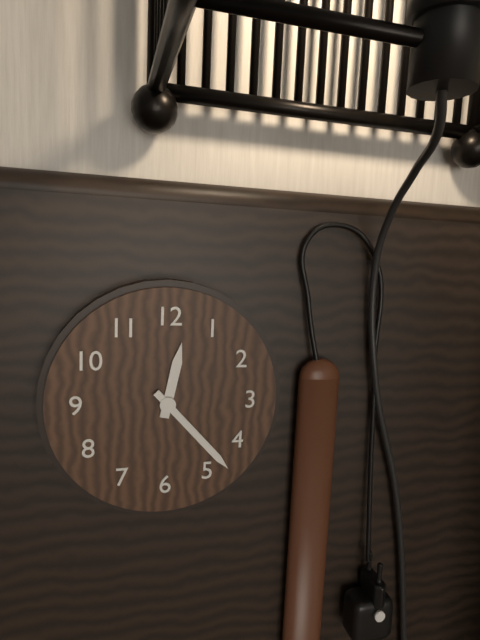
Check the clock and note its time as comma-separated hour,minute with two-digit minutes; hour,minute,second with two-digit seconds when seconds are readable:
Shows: 12,23
